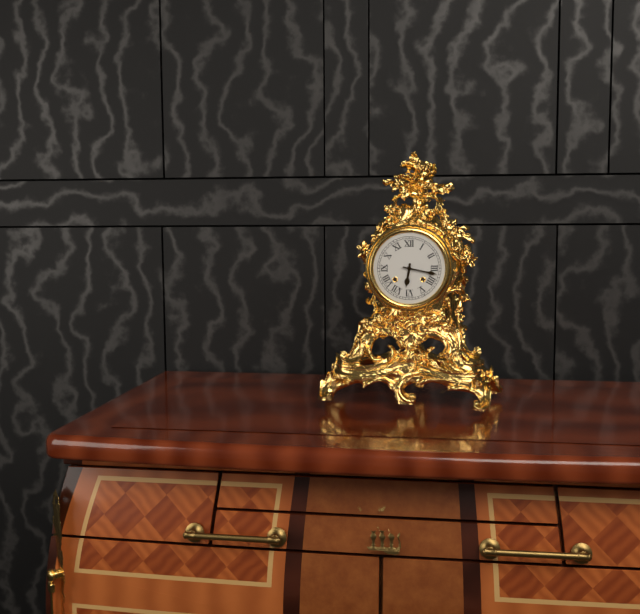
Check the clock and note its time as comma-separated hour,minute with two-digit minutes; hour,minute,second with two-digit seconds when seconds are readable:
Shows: 6,17
